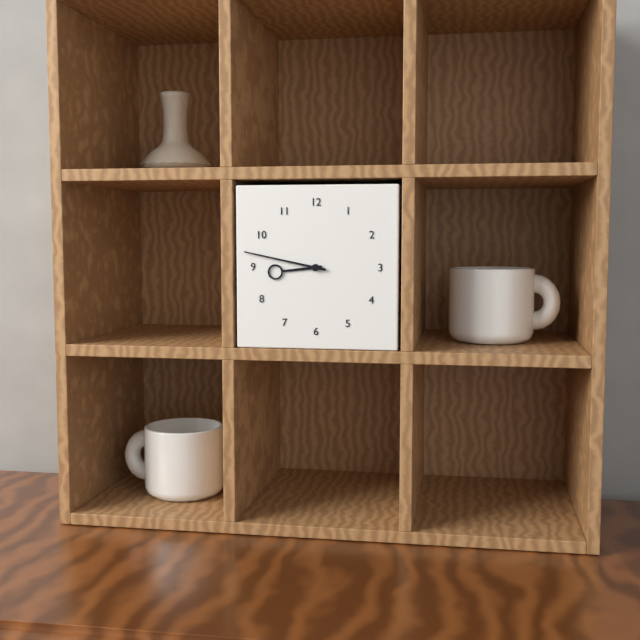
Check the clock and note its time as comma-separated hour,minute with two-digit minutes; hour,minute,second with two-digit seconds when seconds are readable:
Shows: 8,47
